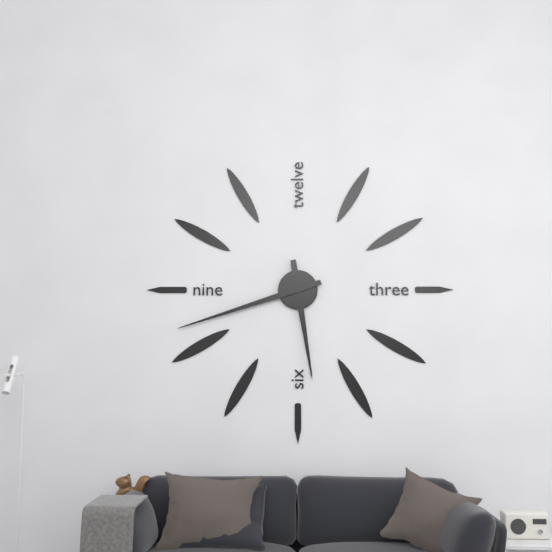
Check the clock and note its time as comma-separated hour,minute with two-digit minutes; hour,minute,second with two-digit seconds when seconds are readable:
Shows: 5,42
